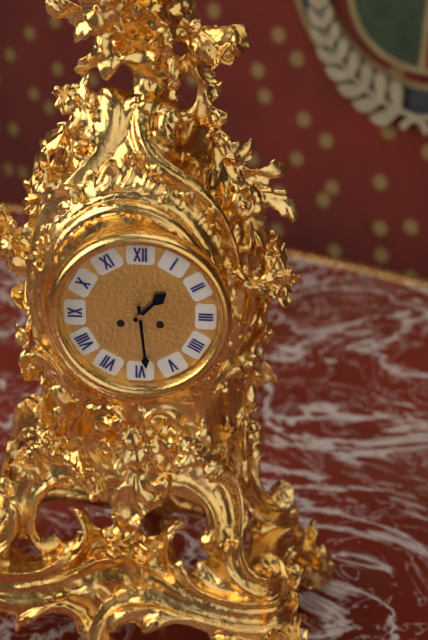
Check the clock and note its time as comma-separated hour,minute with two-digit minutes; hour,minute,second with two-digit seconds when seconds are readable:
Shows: 1,29
